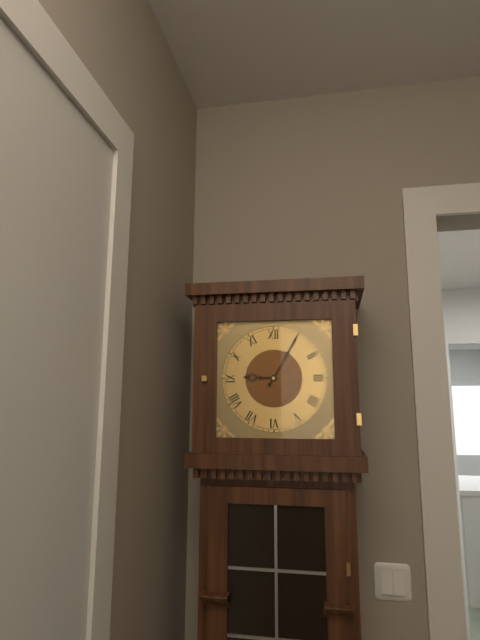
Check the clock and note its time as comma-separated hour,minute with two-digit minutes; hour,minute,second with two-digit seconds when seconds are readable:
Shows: 9,05
